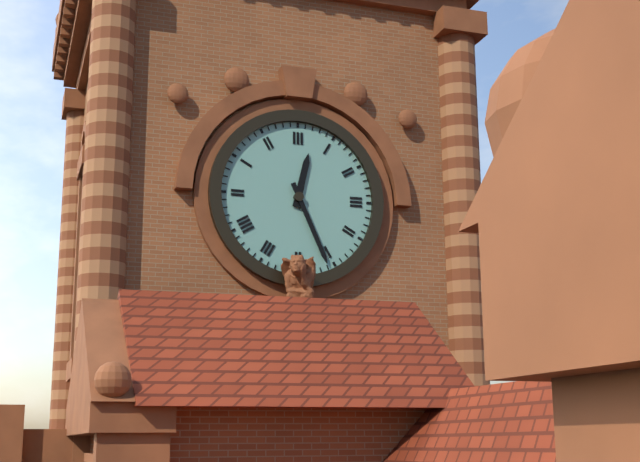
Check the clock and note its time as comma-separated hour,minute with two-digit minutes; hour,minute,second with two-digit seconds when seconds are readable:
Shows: 12,26
